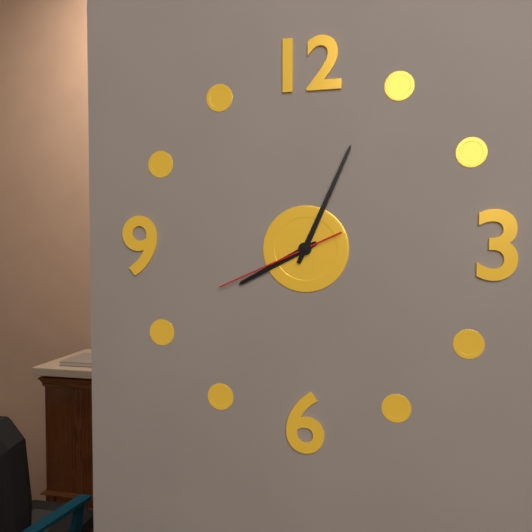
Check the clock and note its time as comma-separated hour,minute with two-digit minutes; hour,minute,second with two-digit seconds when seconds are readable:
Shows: 8,04,41
